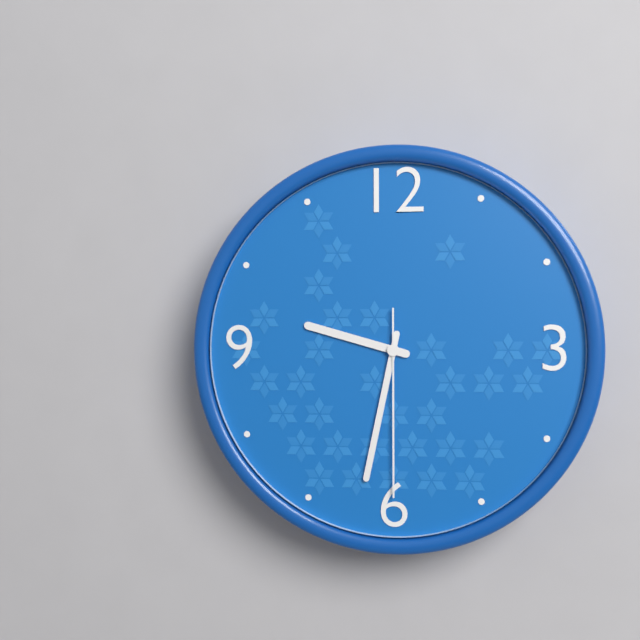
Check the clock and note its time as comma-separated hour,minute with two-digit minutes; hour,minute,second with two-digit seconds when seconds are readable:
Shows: 9,32,30
